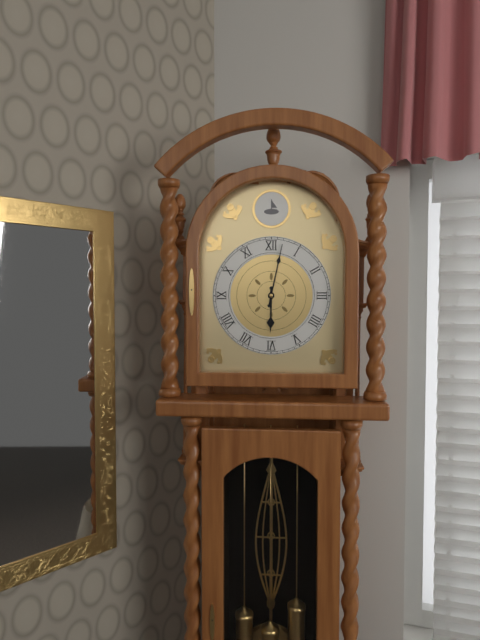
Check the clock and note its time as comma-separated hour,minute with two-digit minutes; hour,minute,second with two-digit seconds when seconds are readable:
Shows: 6,02
